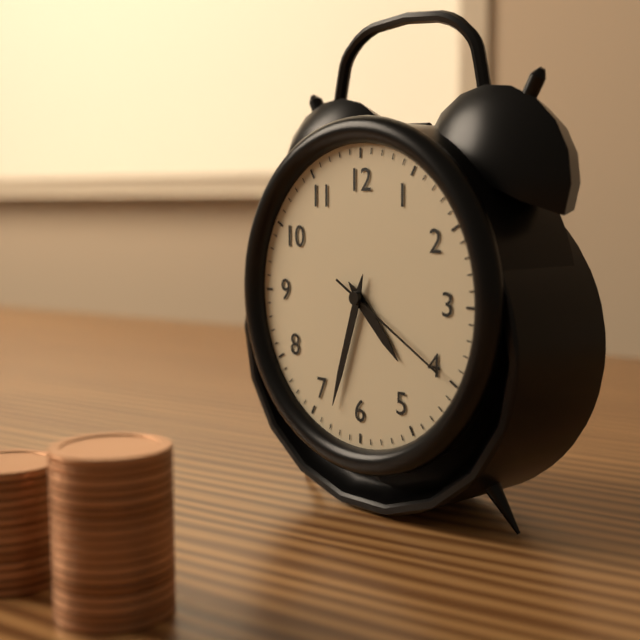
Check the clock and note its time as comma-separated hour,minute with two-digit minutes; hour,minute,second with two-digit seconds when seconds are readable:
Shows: 4,33,20
